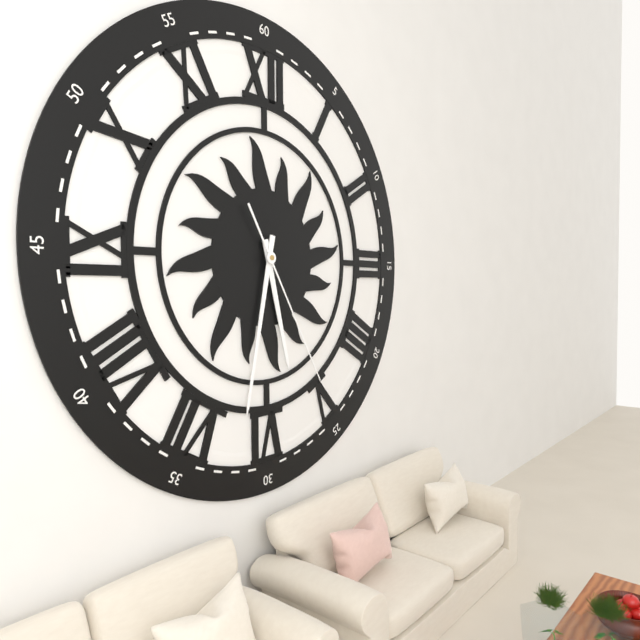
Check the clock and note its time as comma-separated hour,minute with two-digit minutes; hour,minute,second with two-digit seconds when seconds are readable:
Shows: 5,32,25
